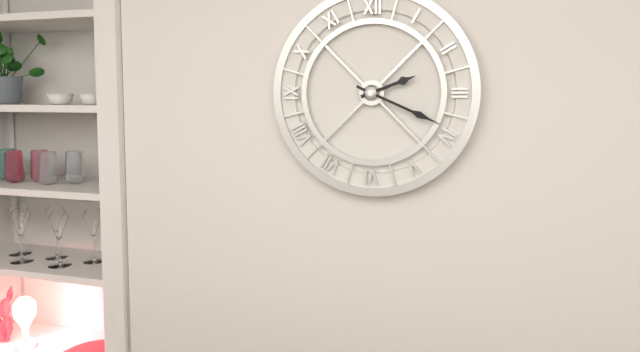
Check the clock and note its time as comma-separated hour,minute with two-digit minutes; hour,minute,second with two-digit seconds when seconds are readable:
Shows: 2,19
